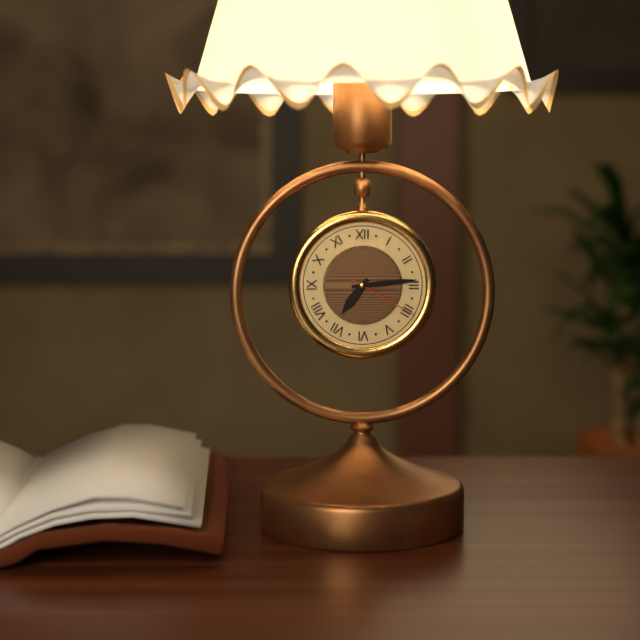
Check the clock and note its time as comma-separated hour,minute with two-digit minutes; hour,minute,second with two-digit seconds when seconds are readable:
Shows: 7,14,20
